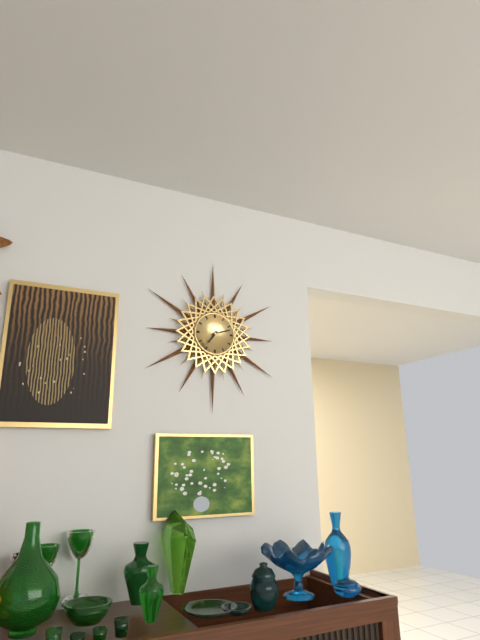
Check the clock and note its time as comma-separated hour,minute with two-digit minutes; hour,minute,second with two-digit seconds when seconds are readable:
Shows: 7,12
